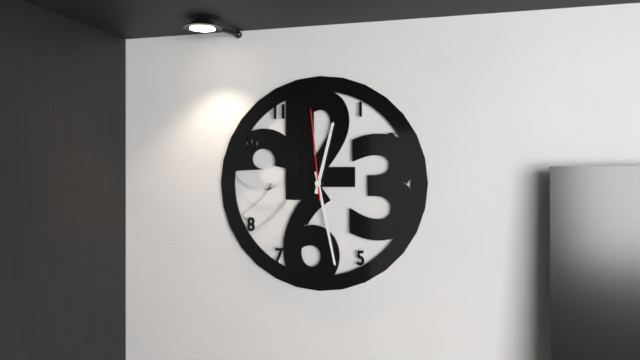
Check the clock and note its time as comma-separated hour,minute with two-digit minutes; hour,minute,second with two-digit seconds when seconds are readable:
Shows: 12,28,59
